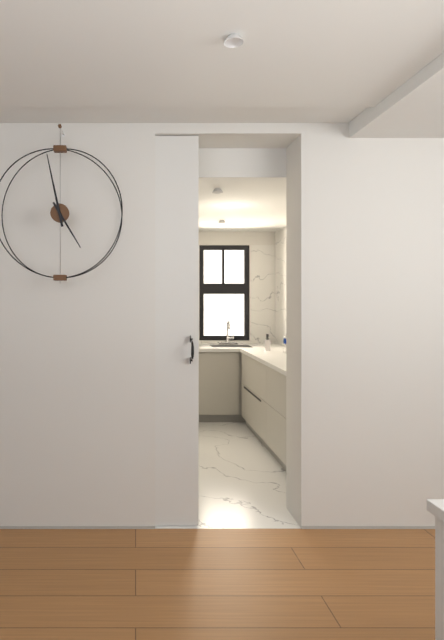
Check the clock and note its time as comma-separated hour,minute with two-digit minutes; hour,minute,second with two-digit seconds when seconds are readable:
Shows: 4,58
